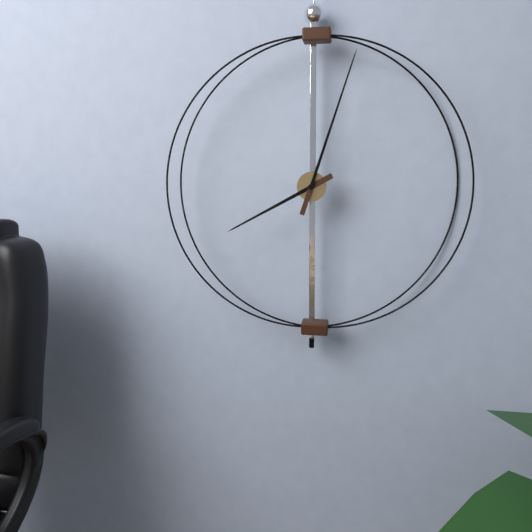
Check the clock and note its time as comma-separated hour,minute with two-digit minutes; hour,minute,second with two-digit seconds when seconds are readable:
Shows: 8,03
